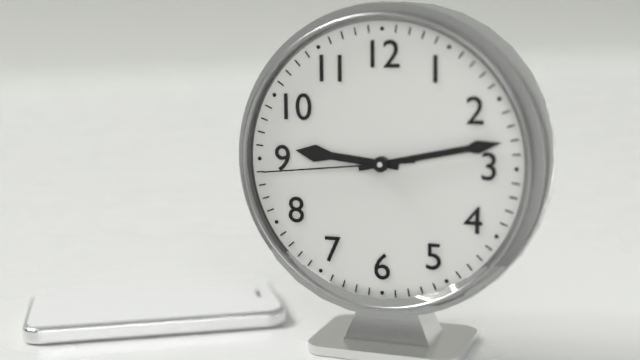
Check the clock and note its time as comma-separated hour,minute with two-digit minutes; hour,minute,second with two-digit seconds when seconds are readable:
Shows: 9,13,44
